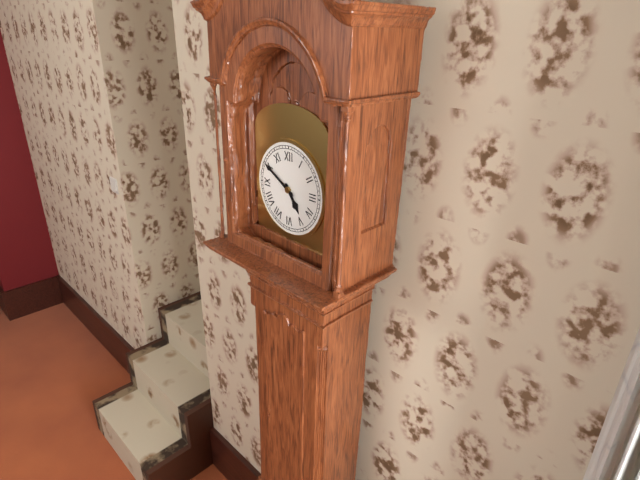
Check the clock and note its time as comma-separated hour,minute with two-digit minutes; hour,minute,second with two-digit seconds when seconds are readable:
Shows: 4,50
